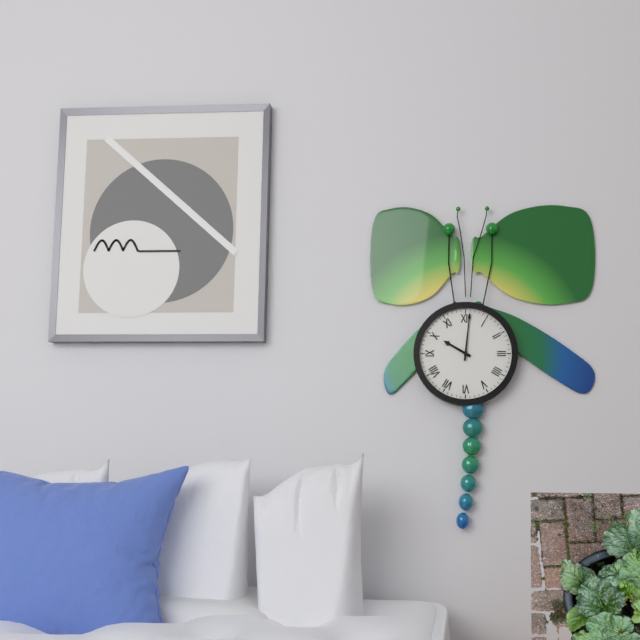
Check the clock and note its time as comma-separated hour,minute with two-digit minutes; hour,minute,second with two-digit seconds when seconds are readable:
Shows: 10,01
